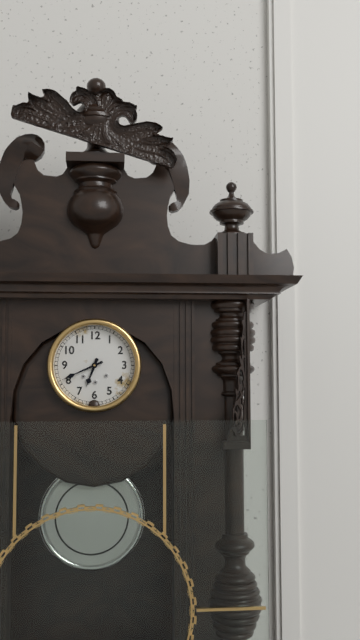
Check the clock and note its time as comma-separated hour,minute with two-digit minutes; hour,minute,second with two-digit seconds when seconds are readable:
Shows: 6,41
